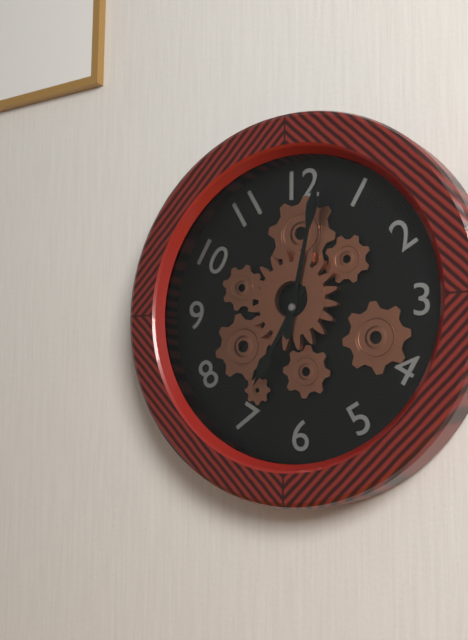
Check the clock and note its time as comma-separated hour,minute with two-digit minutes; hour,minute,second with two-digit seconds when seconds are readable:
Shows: 7,02
